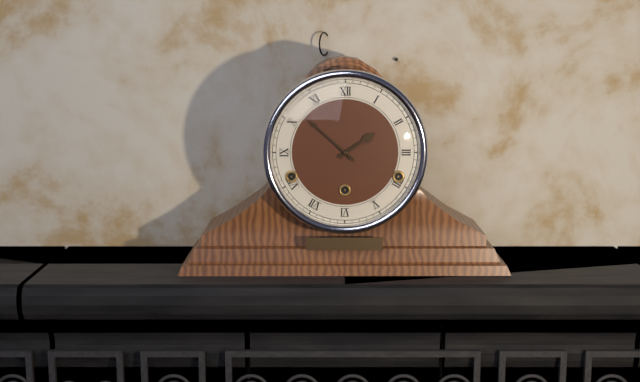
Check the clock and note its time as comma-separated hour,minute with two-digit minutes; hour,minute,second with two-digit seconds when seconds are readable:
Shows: 1,52
